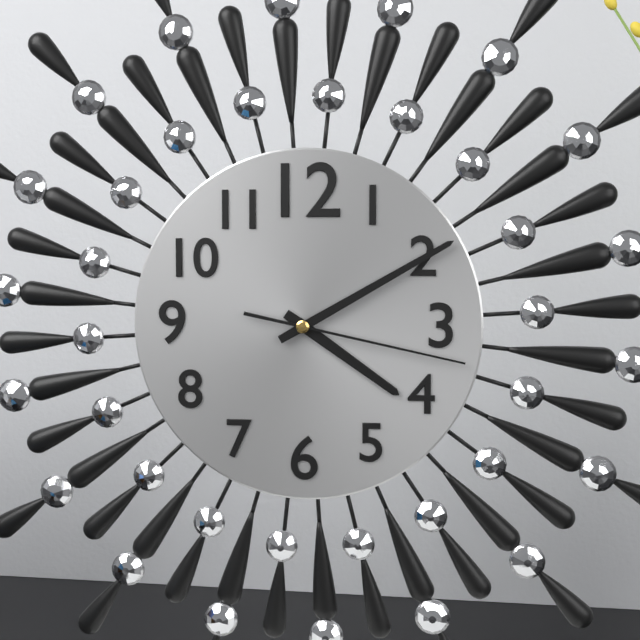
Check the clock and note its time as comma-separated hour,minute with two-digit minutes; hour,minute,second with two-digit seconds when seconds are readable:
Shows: 4,10,17
